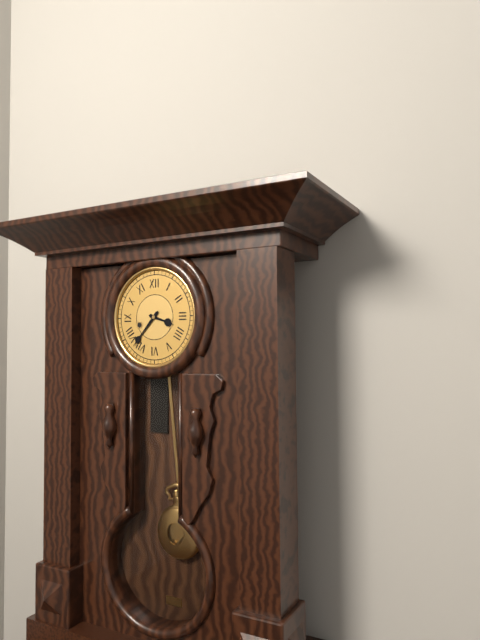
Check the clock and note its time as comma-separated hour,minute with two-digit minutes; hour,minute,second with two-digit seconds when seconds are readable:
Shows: 3,37
